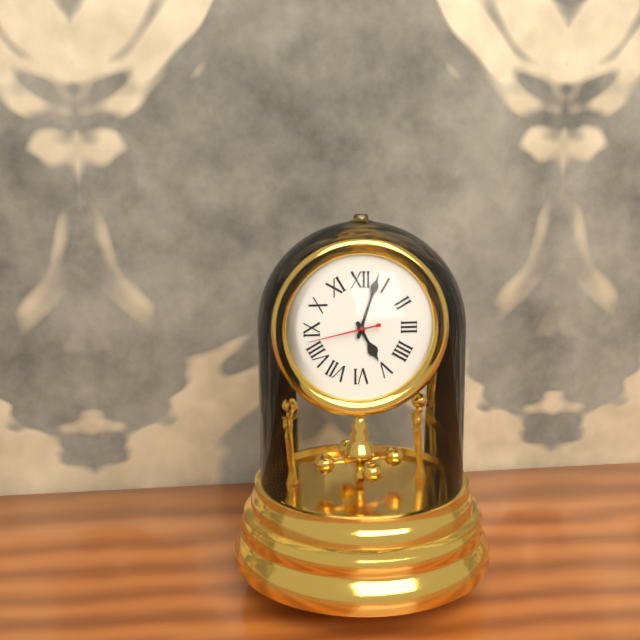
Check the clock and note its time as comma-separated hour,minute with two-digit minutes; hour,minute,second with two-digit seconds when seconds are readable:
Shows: 5,03,43
